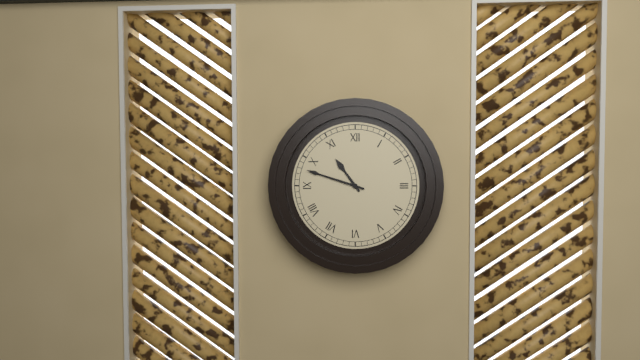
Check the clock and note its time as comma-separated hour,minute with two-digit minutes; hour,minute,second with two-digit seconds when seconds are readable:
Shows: 10,48
